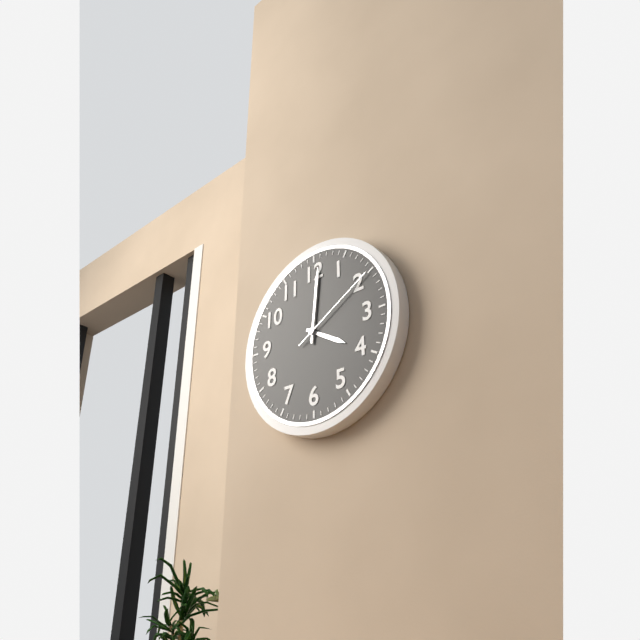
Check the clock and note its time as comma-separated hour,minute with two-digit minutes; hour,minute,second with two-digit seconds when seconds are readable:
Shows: 4,01,10
